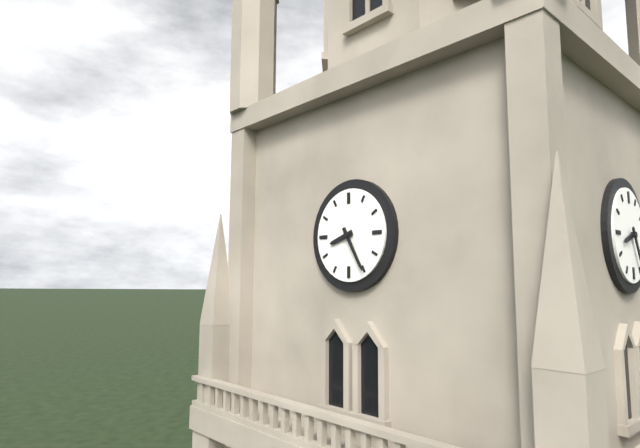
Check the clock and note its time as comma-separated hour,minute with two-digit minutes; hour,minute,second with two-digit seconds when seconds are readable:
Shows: 8,25
